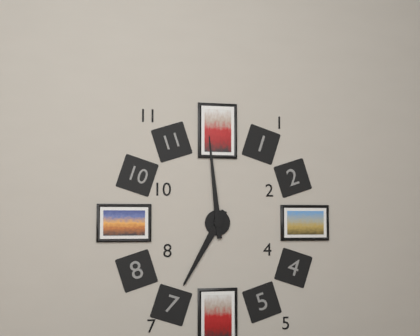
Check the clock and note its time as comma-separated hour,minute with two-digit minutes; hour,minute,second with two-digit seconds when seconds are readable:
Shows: 6,59
